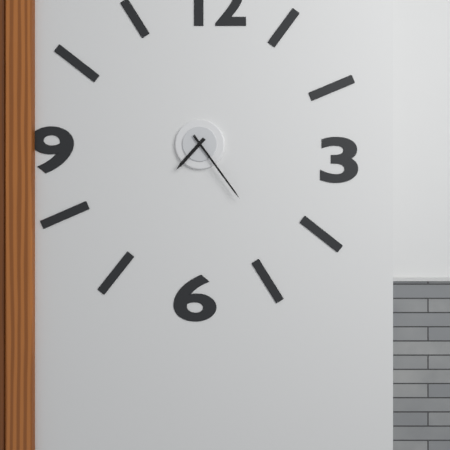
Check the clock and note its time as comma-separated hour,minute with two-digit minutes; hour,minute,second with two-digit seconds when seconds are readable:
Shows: 7,24
